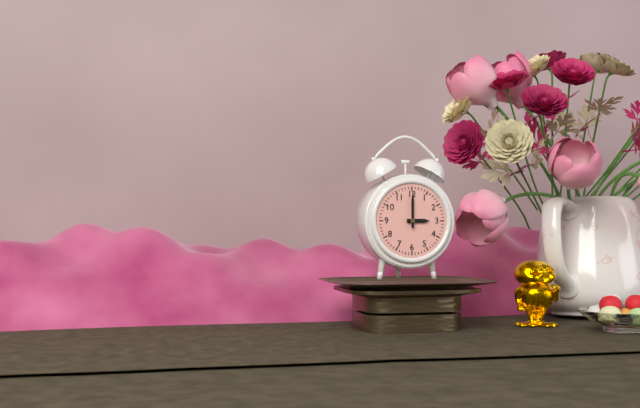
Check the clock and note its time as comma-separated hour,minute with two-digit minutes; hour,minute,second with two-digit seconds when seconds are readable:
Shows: 3,00
